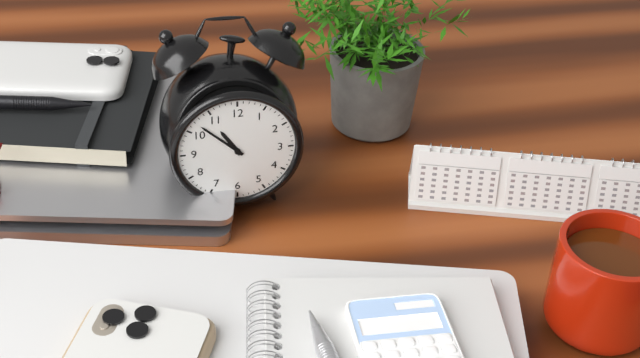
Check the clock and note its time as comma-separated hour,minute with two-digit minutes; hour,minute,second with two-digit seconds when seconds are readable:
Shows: 10,52
